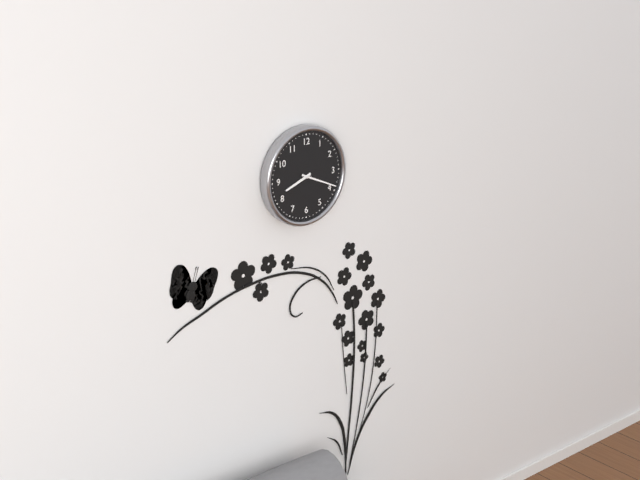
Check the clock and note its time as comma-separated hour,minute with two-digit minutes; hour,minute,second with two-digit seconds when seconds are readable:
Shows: 8,19
